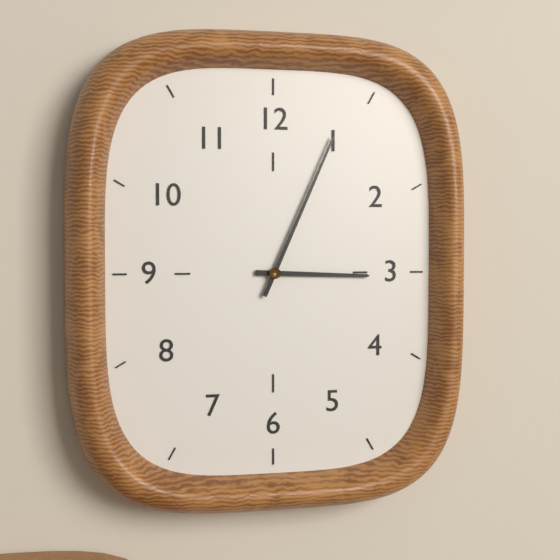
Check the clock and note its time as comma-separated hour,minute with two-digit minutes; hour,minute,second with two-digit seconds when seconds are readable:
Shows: 3,04
